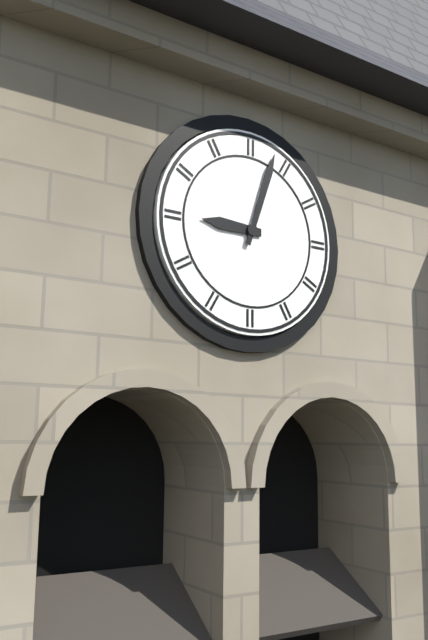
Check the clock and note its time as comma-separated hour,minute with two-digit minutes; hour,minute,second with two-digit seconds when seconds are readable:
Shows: 9,03
